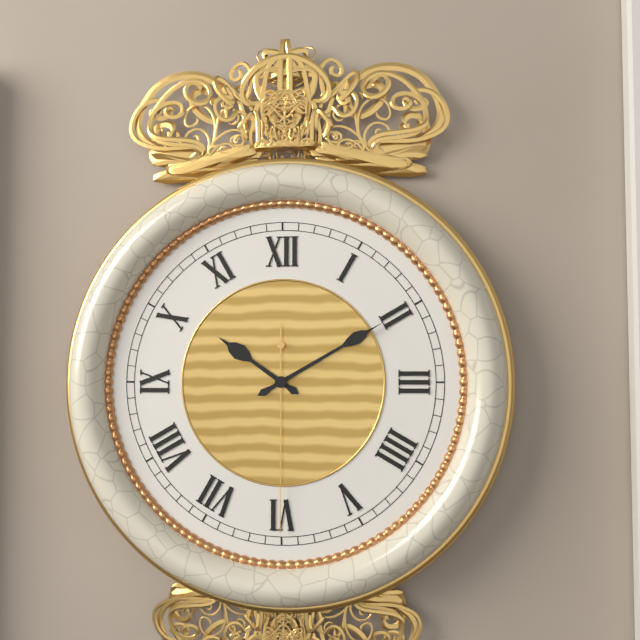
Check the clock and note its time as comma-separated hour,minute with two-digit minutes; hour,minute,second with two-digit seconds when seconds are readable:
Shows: 10,10,30
